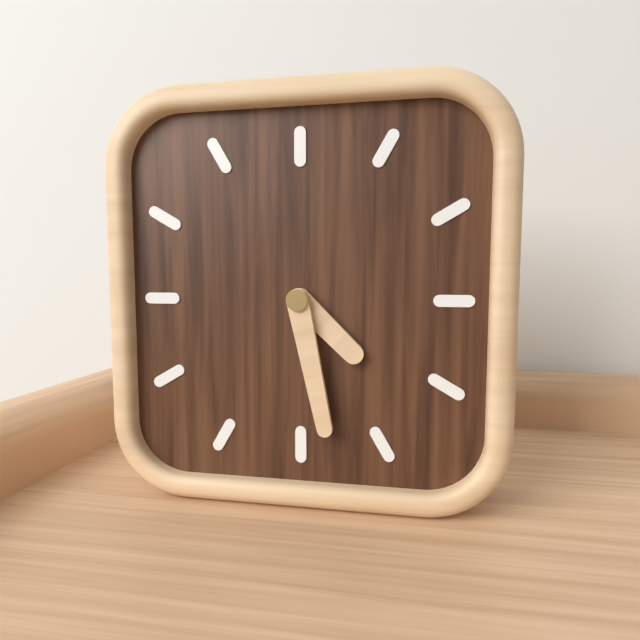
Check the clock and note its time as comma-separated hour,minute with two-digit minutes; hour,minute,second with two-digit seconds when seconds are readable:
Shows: 4,28
